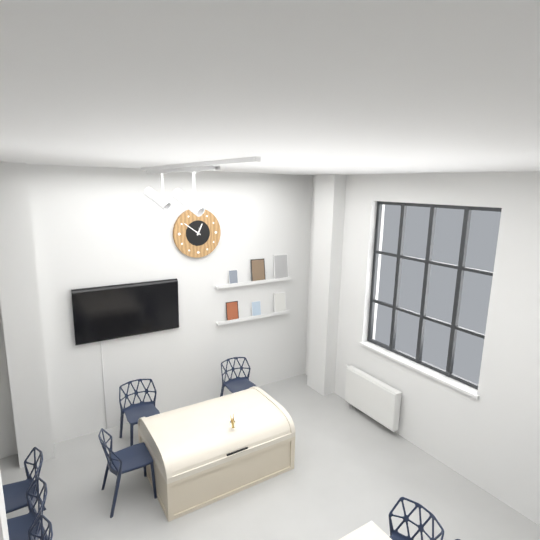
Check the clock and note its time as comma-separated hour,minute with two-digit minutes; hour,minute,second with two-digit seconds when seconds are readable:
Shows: 12,51
